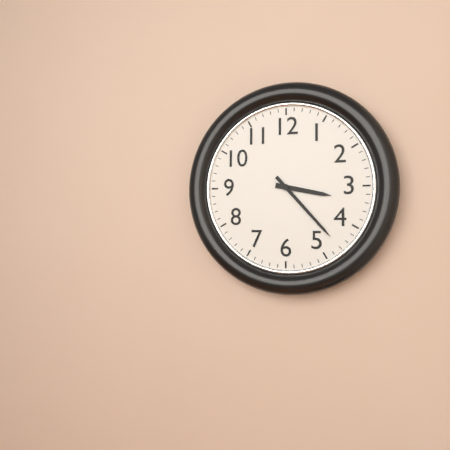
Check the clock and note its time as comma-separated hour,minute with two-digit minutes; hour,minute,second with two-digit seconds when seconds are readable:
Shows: 3,23
